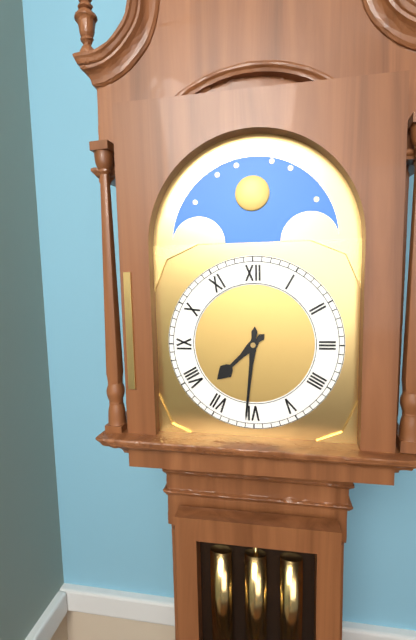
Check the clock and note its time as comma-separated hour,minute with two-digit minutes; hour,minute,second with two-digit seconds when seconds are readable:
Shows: 7,31
